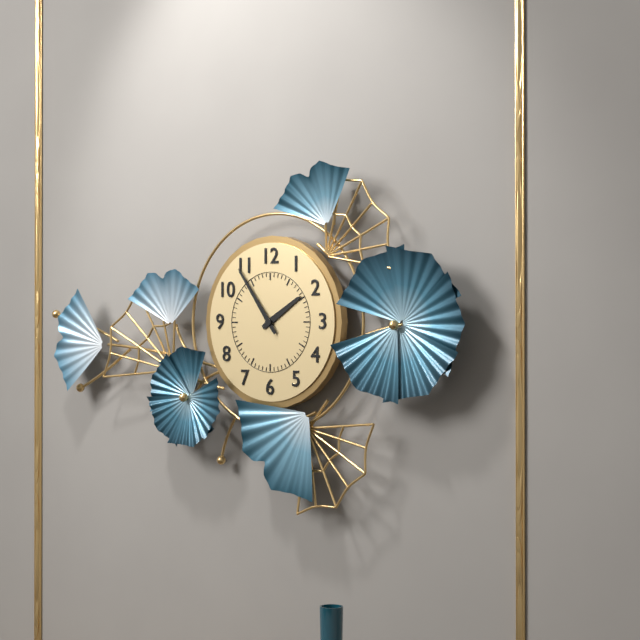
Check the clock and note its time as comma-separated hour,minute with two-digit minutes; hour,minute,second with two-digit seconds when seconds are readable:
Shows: 1,54
